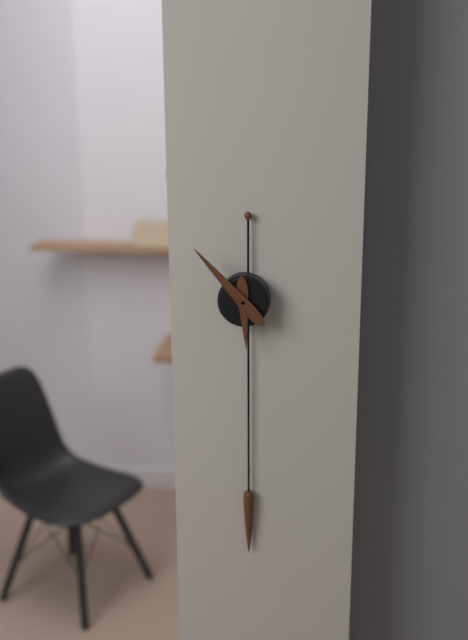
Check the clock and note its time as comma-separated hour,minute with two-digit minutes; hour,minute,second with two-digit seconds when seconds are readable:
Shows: 5,53
